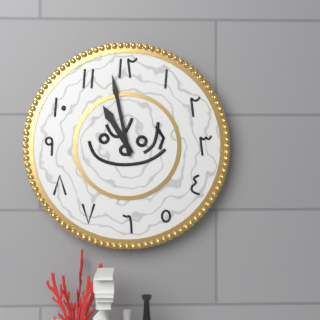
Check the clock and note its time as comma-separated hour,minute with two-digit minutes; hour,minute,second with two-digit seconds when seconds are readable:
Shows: 10,58
